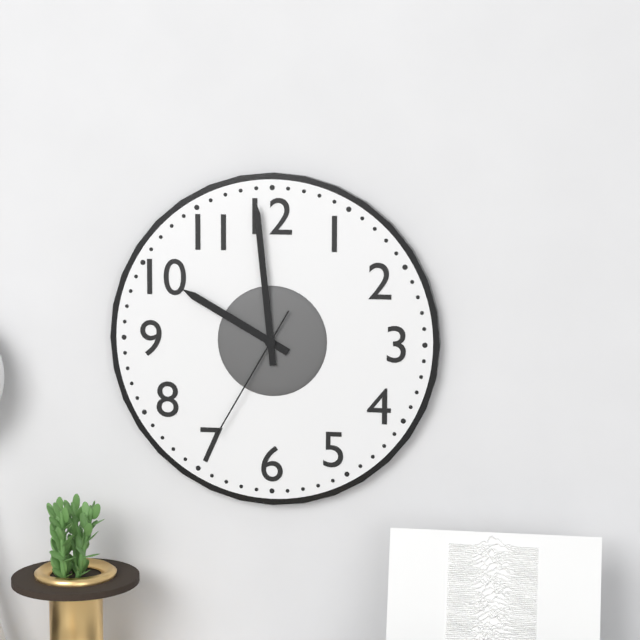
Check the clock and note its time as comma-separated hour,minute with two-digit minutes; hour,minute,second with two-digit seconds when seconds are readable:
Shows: 9,59,35
